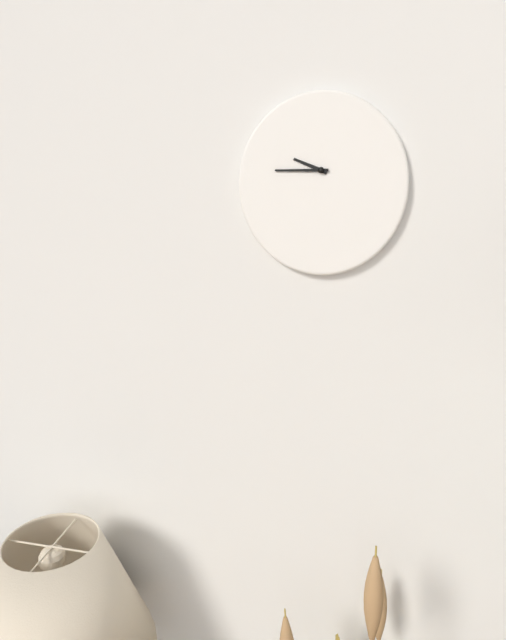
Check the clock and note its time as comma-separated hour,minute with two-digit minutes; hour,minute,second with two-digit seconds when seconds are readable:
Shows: 9,45
